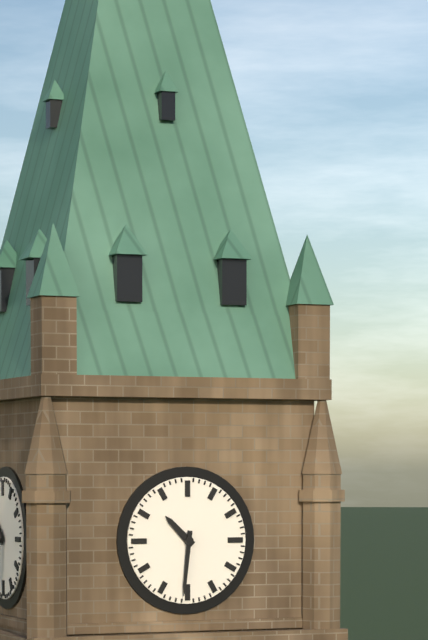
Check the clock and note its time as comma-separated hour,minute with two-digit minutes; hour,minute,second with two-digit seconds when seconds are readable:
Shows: 10,31
